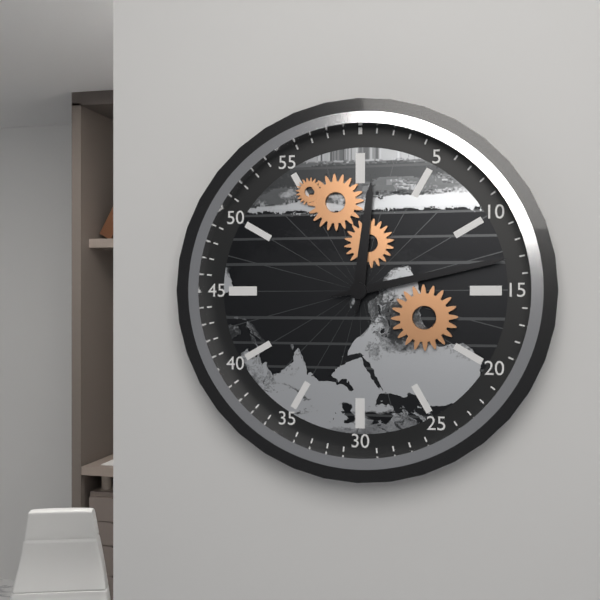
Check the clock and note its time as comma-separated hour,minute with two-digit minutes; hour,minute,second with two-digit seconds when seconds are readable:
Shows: 12,13
